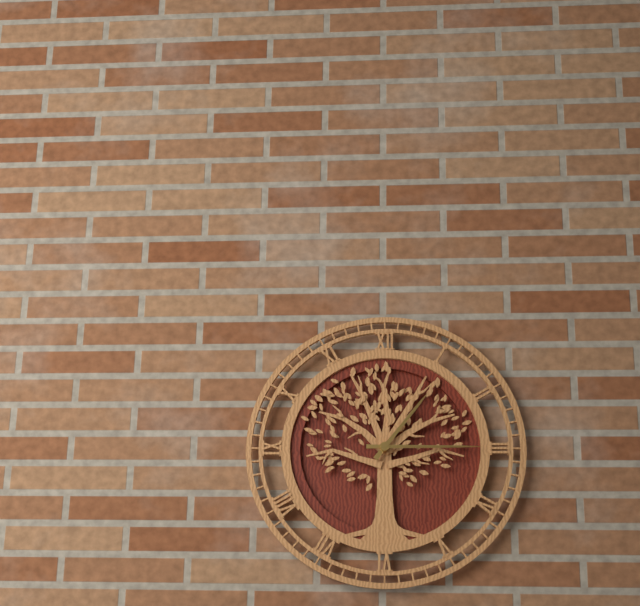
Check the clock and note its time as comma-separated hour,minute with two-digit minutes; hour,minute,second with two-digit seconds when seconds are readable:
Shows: 1,15
